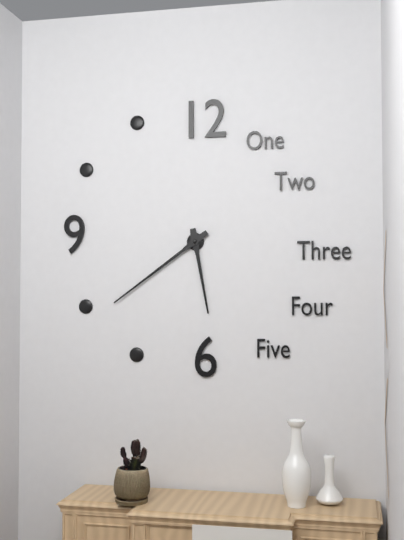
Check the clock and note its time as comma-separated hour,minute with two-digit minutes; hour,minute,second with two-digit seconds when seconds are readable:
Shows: 5,39
